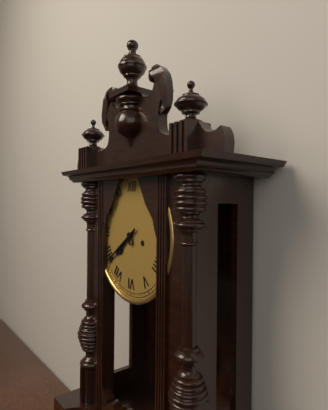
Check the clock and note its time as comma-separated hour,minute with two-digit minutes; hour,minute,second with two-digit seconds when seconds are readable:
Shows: 7,39
